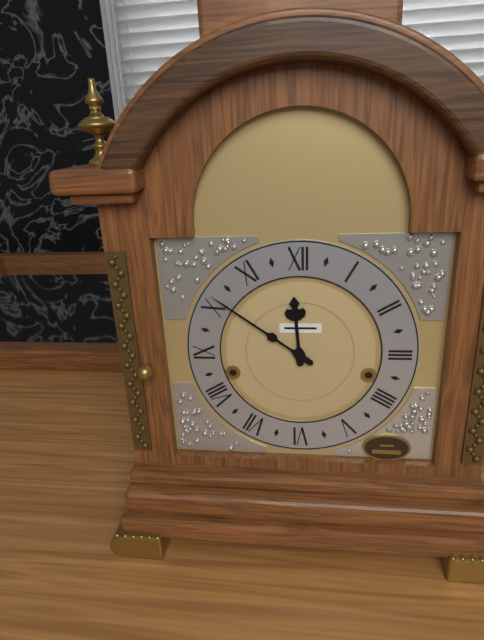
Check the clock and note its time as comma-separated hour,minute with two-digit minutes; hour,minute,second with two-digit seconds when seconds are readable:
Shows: 11,51
